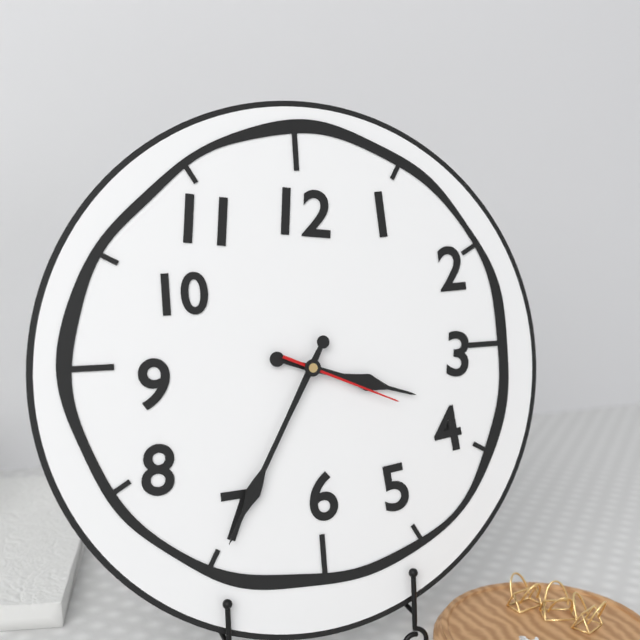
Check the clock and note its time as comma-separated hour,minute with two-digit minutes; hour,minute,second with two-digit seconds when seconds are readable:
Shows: 3,35,19
